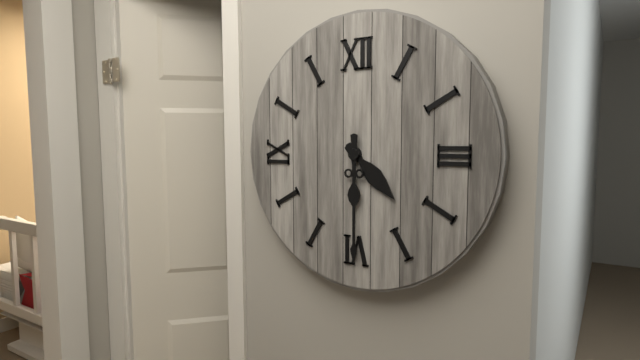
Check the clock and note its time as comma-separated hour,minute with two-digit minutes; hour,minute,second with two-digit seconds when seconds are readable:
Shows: 4,30
